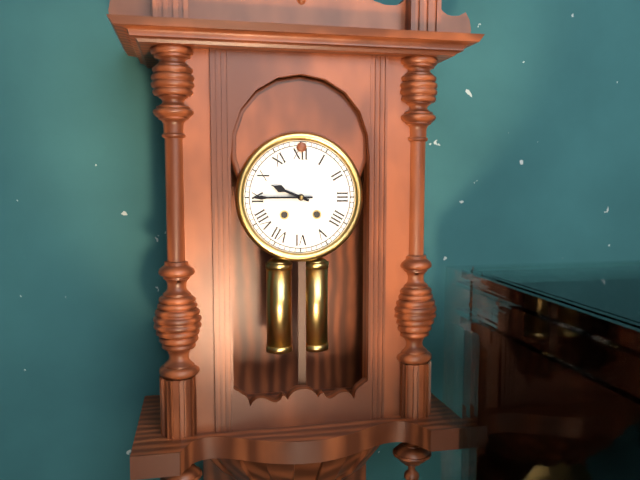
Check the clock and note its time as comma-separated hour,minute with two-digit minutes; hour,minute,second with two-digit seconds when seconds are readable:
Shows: 9,45
